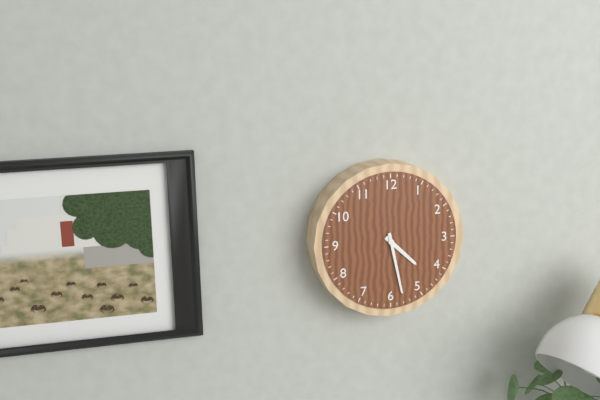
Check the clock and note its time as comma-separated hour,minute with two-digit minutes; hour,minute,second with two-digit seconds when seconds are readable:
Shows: 4,28
